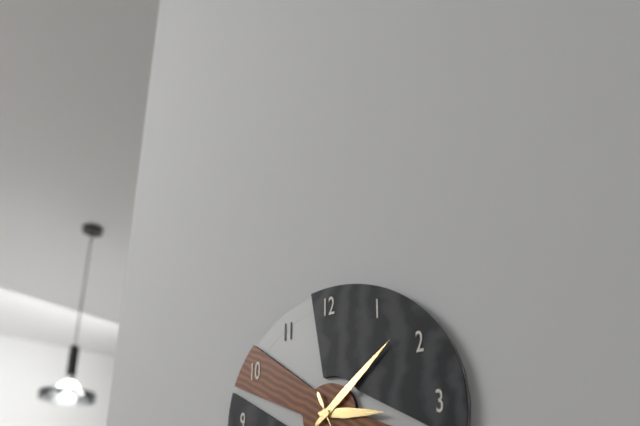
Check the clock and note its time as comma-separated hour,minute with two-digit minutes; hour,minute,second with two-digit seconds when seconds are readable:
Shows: 3,08
